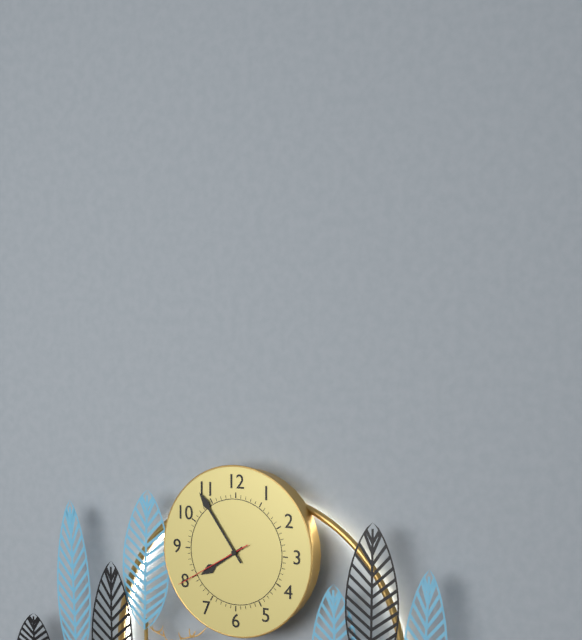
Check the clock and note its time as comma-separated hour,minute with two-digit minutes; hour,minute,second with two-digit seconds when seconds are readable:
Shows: 7,54,40
